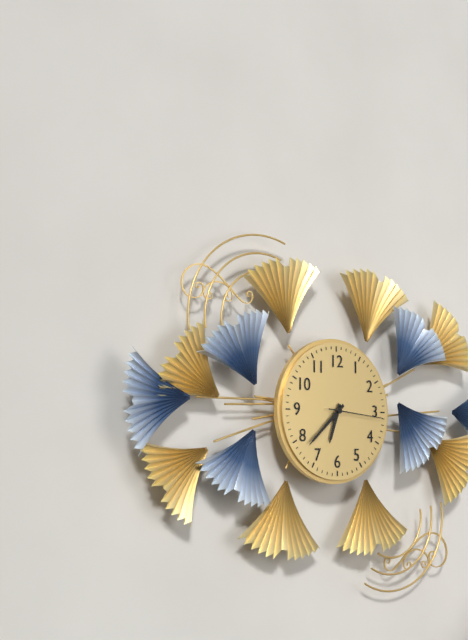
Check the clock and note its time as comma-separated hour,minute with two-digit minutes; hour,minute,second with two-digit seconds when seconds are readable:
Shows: 6,38,16
